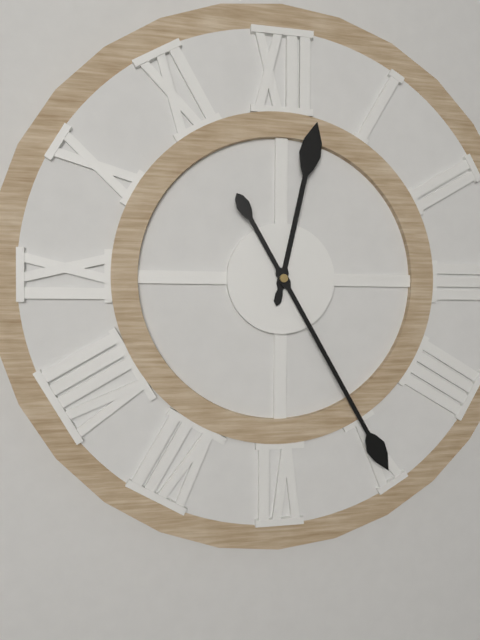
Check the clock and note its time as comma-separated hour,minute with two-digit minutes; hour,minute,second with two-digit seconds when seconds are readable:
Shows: 12,25
